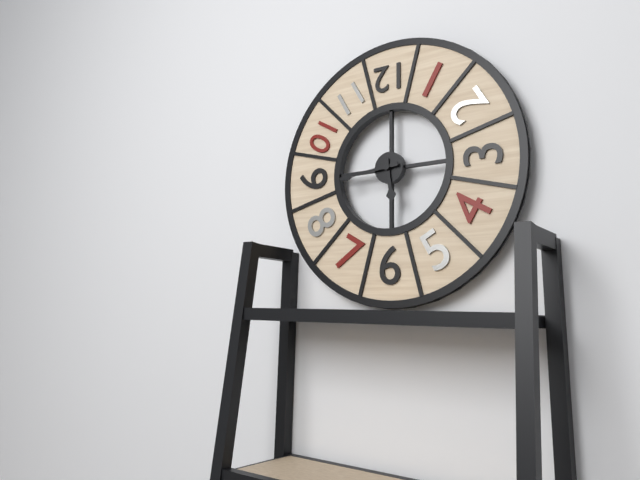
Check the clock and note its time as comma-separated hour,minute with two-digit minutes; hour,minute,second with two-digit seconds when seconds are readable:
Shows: 5,44
